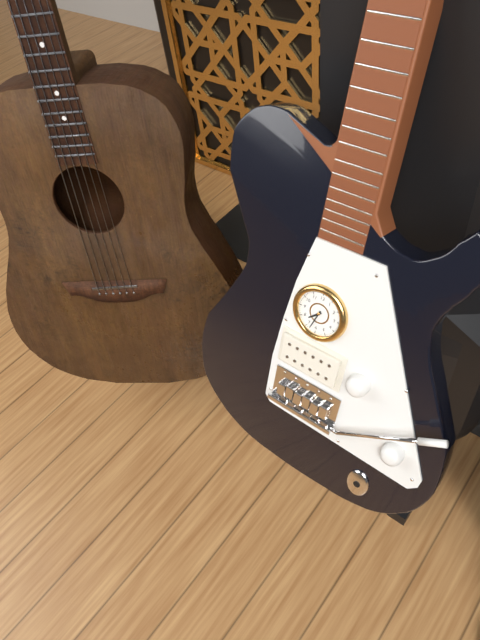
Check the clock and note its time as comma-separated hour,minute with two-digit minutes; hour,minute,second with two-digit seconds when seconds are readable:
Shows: 7,33
